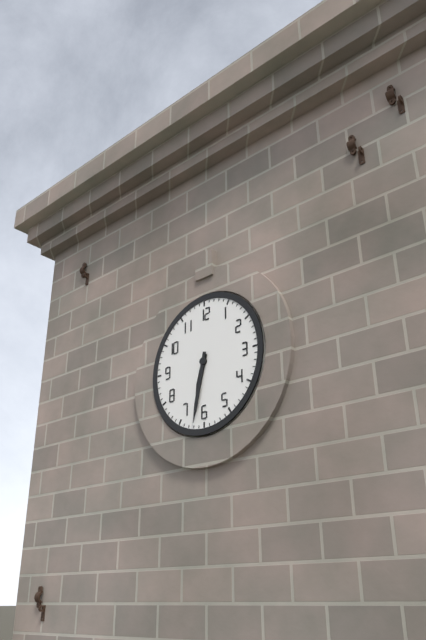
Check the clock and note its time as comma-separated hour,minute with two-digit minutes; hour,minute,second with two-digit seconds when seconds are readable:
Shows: 6,32
